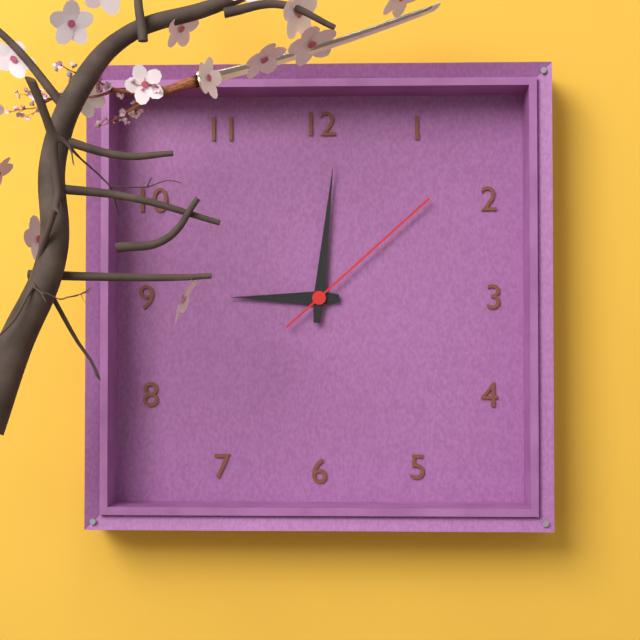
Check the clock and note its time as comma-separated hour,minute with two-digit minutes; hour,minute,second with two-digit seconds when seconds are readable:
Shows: 9,01,08
